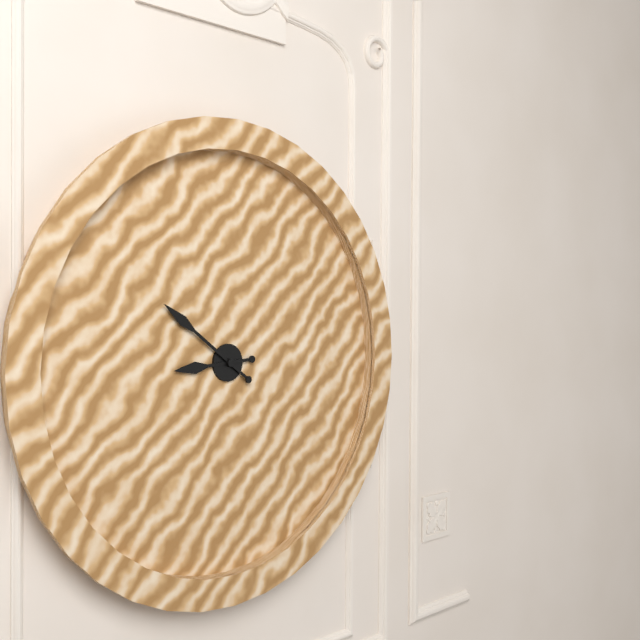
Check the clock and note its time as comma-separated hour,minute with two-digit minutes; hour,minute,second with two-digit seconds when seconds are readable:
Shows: 8,51
